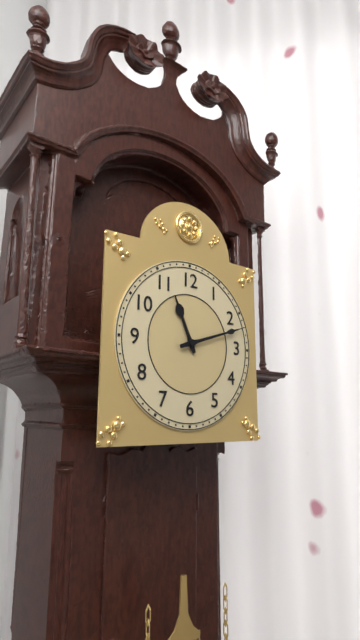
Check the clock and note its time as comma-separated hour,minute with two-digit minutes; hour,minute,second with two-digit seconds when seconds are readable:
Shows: 11,12
